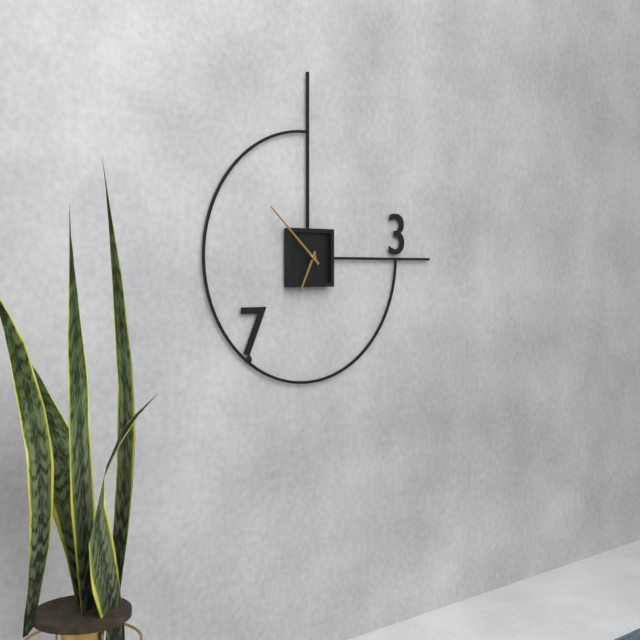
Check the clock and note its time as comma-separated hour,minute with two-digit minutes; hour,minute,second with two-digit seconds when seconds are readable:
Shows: 6,52
